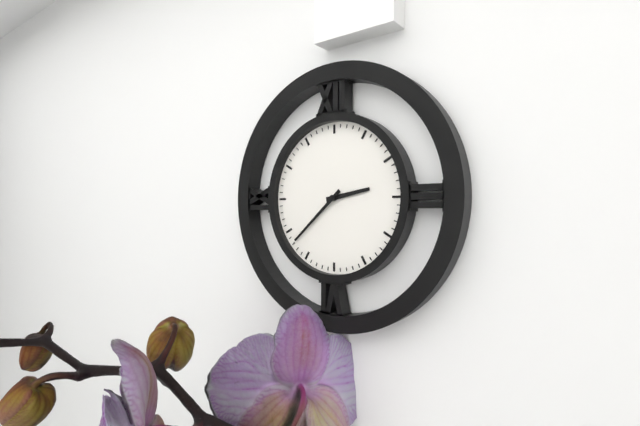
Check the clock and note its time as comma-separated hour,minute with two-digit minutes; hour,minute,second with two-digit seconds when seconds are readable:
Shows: 2,38
